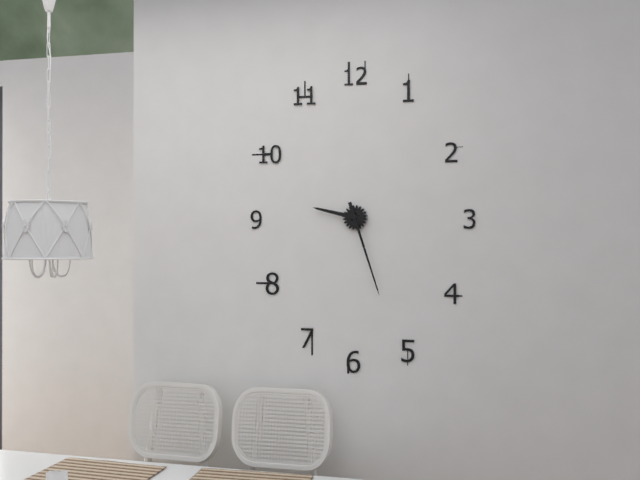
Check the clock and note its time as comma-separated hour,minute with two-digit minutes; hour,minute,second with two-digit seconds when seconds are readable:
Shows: 9,27
